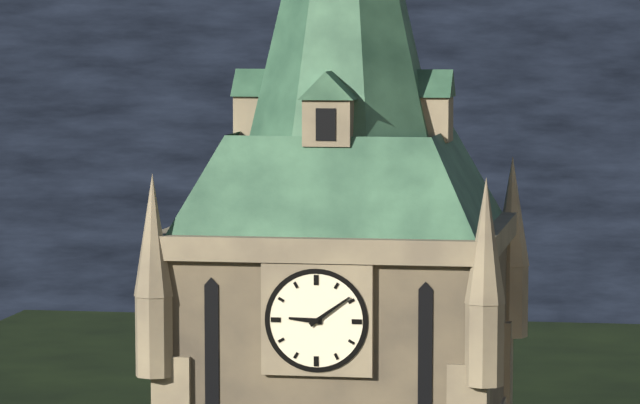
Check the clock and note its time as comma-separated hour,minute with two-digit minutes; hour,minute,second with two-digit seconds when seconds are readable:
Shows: 9,09
